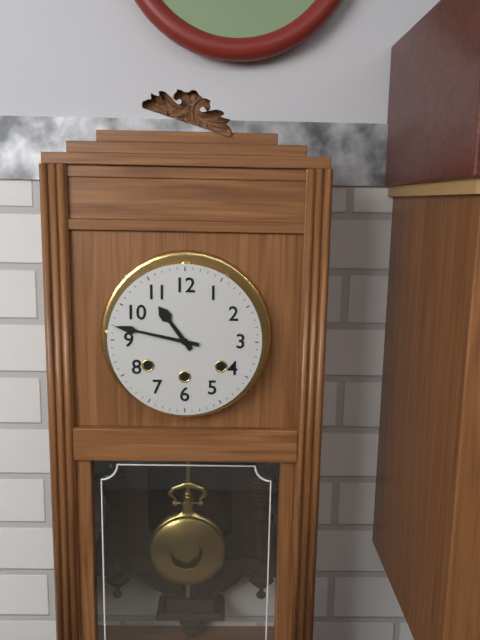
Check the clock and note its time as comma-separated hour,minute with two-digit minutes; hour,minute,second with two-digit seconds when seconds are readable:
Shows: 10,47
